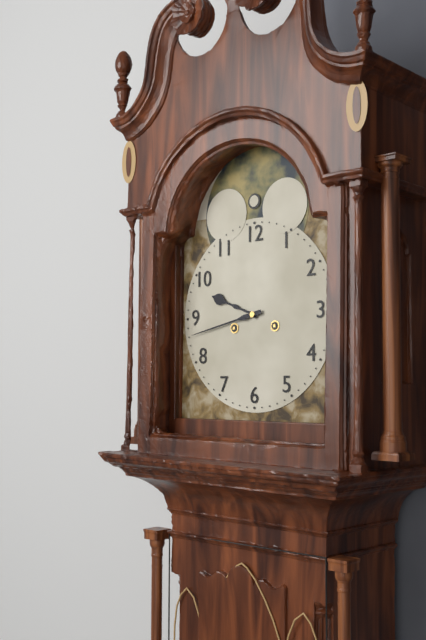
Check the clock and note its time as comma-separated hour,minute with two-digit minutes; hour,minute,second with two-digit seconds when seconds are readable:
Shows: 9,43
